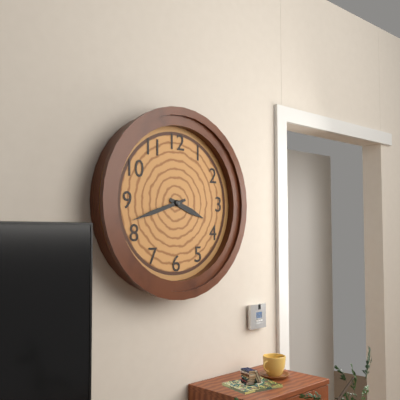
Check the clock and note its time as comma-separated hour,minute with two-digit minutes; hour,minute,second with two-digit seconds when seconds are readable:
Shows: 3,42
